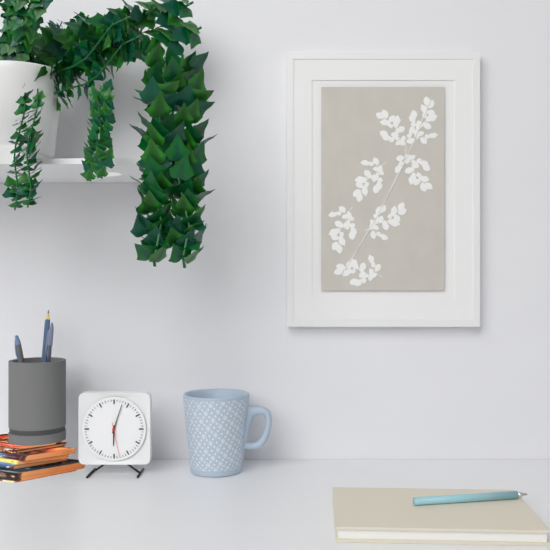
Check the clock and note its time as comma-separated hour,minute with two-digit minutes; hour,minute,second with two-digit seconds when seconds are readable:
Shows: 6,03
